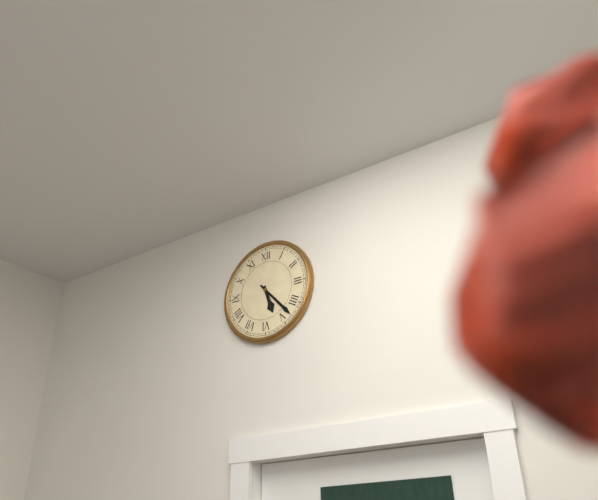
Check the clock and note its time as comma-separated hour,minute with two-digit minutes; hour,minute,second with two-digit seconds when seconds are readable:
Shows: 5,23
